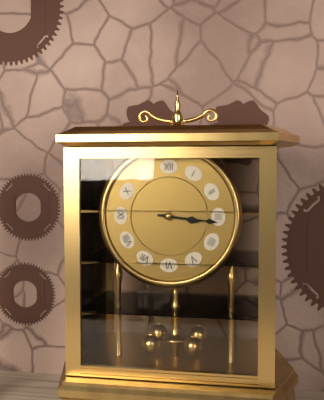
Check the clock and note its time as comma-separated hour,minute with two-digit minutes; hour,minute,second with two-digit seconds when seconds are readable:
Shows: 3,16
